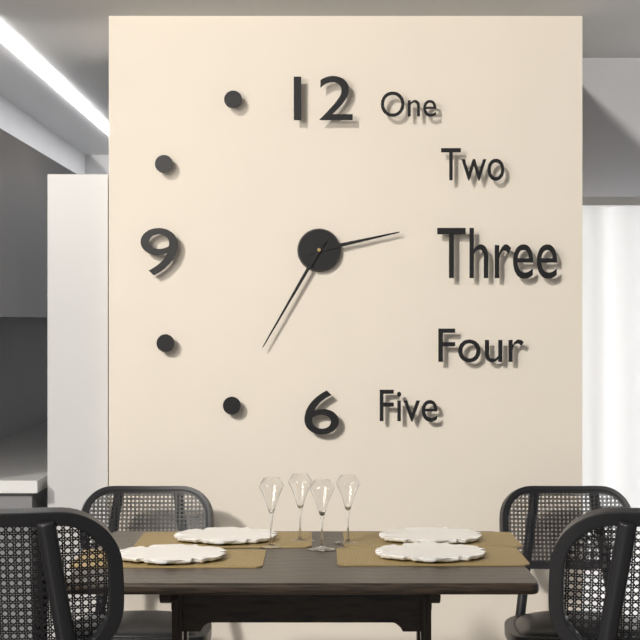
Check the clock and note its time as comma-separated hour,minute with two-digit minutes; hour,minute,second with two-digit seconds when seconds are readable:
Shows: 2,35
